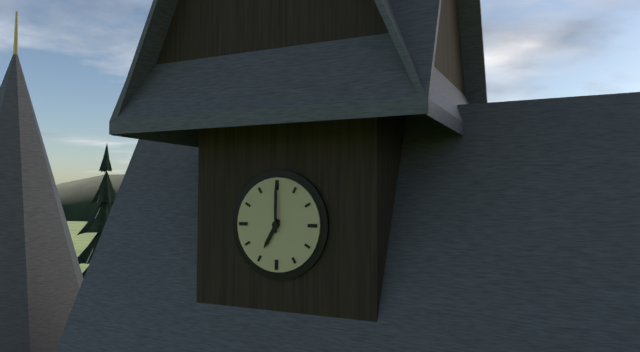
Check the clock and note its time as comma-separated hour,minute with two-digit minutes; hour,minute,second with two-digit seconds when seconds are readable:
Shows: 7,00
